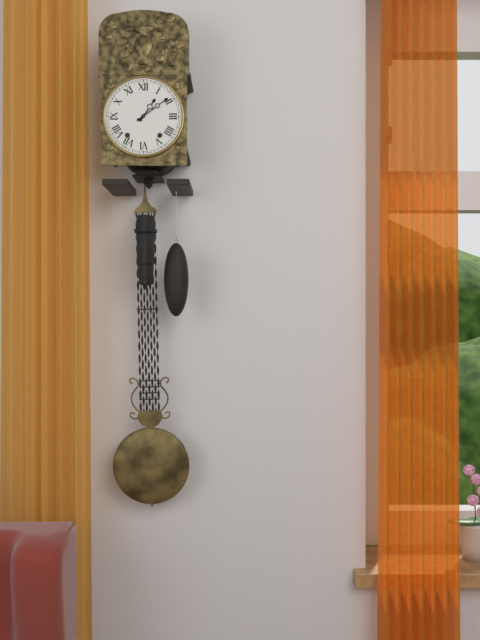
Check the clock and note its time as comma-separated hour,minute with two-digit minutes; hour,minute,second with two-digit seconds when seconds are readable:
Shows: 1,09
